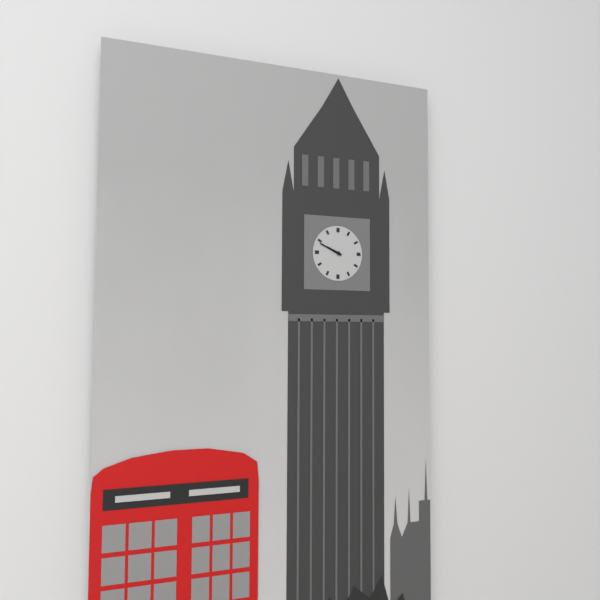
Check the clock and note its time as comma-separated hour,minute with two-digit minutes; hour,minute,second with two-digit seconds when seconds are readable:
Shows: 9,49
